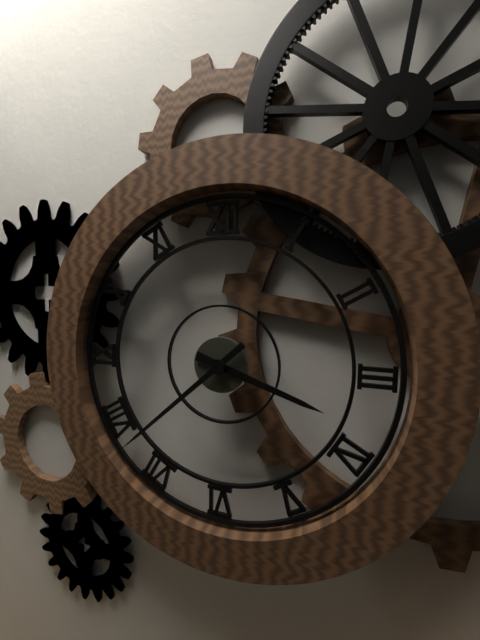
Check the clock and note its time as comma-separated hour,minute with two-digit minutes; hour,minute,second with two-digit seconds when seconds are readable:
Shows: 3,38
